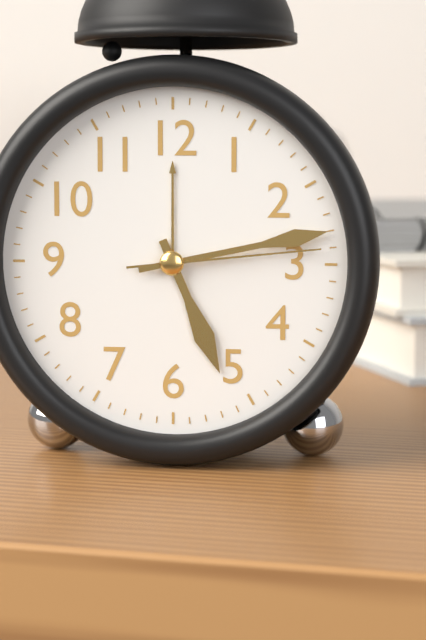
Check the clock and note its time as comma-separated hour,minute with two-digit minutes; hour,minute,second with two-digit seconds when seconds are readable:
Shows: 5,13,14
